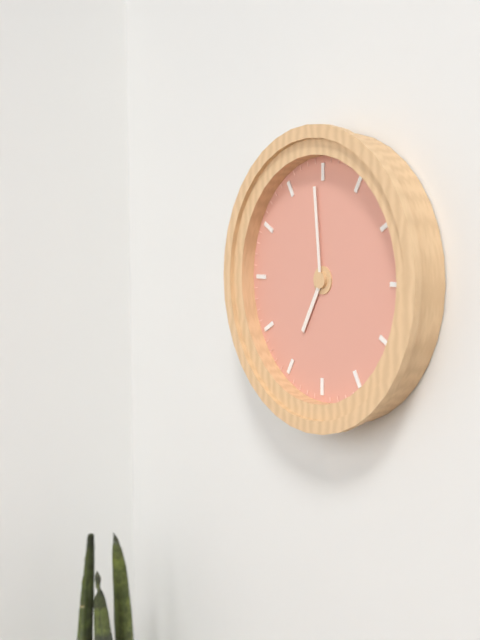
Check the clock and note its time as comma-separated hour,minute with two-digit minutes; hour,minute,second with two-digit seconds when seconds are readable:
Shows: 6,59
